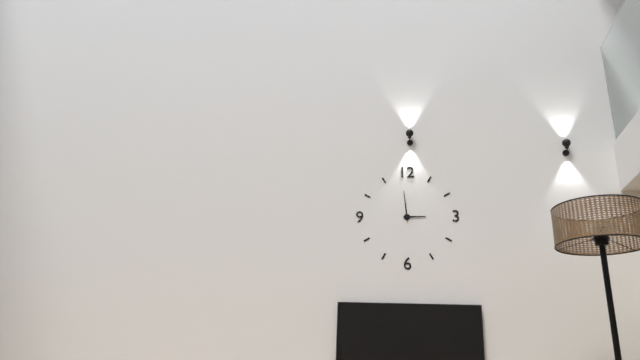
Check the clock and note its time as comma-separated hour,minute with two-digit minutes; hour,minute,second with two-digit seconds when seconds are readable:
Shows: 2,59
